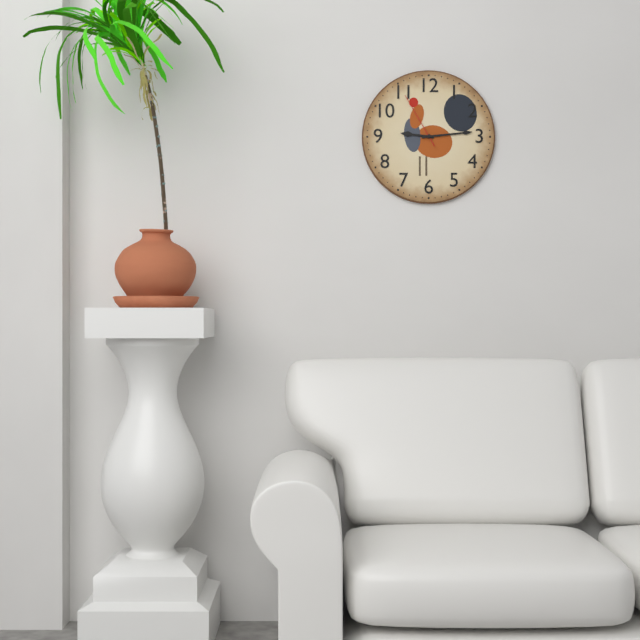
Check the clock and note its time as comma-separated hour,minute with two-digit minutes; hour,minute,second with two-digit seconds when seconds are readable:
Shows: 9,14,55
